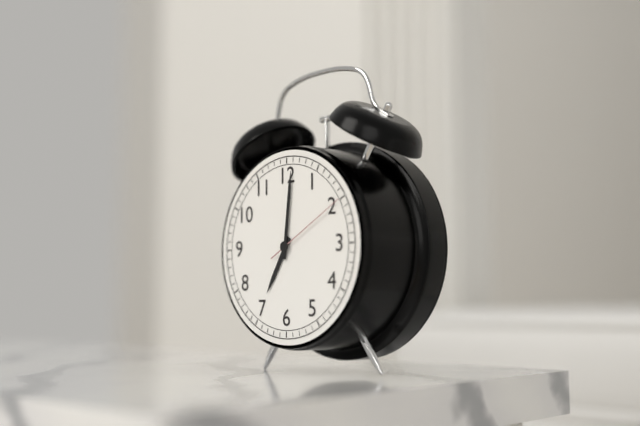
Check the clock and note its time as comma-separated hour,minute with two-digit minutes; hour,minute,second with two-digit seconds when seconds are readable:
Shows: 7,01,10
